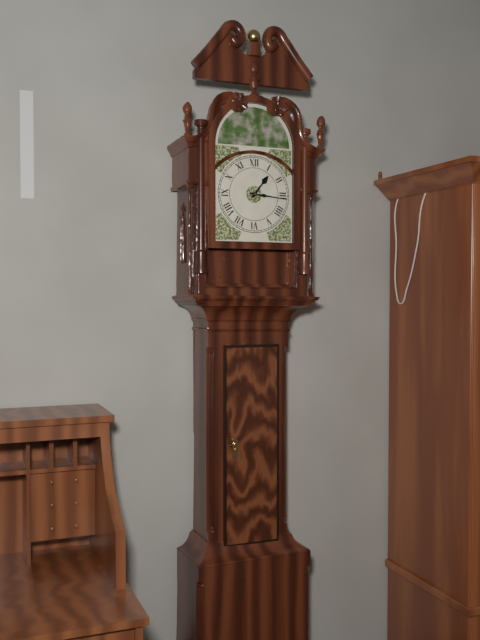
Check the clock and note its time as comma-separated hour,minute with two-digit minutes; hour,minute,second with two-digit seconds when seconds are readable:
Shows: 1,16
